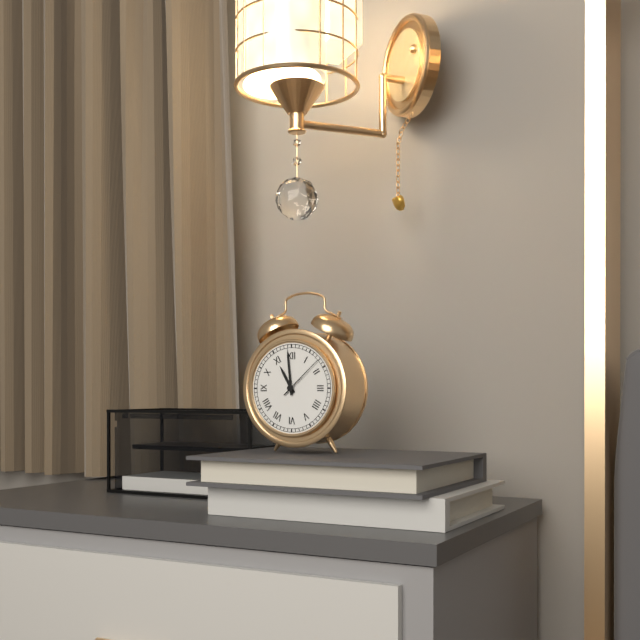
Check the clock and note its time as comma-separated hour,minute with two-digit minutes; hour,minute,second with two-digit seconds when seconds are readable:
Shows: 10,59
